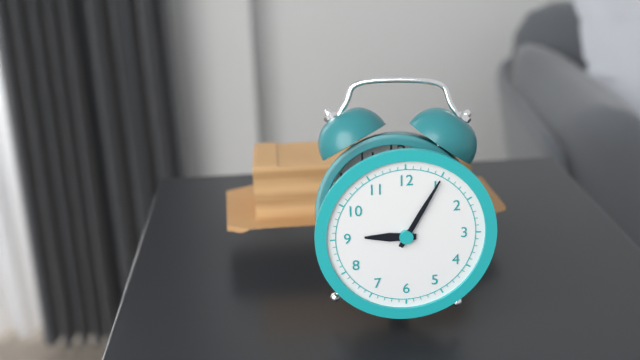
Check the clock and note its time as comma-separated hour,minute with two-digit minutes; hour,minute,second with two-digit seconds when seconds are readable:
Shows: 9,05
